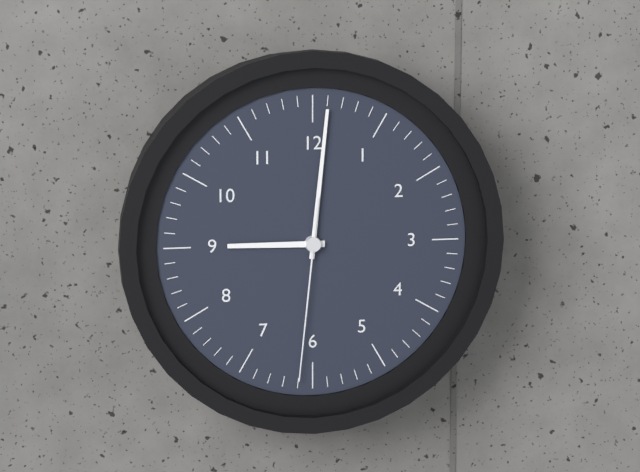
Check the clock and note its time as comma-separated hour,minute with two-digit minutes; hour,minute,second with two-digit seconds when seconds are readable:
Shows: 9,01,31
